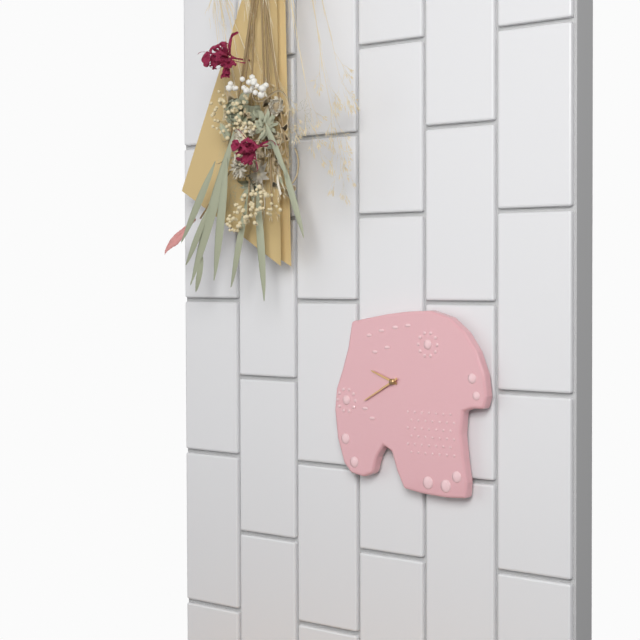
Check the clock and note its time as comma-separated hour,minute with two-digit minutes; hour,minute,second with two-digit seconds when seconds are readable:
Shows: 9,40
